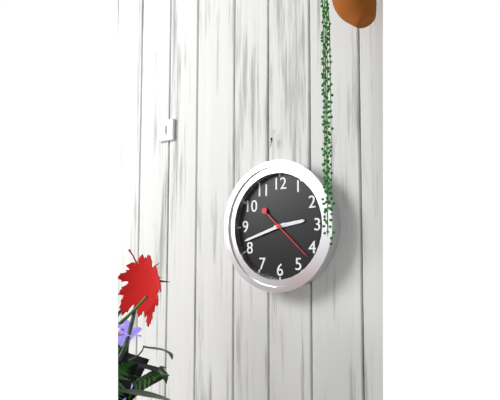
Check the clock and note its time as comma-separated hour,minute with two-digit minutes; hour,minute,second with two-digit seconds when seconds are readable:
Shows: 2,42,22
